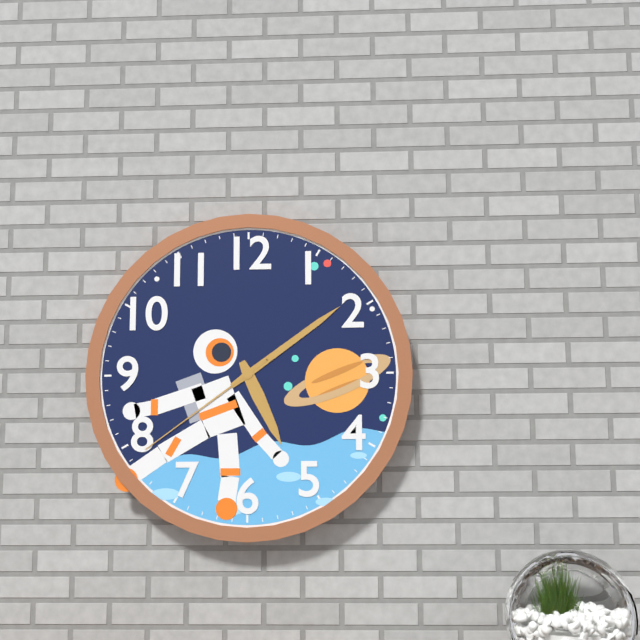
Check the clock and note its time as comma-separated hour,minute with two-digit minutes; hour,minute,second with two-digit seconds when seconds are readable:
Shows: 5,09,39
